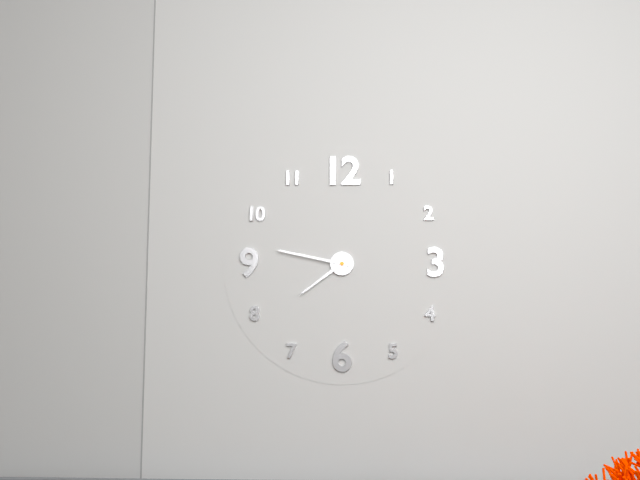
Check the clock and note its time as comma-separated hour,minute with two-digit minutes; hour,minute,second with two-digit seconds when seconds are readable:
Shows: 7,47
